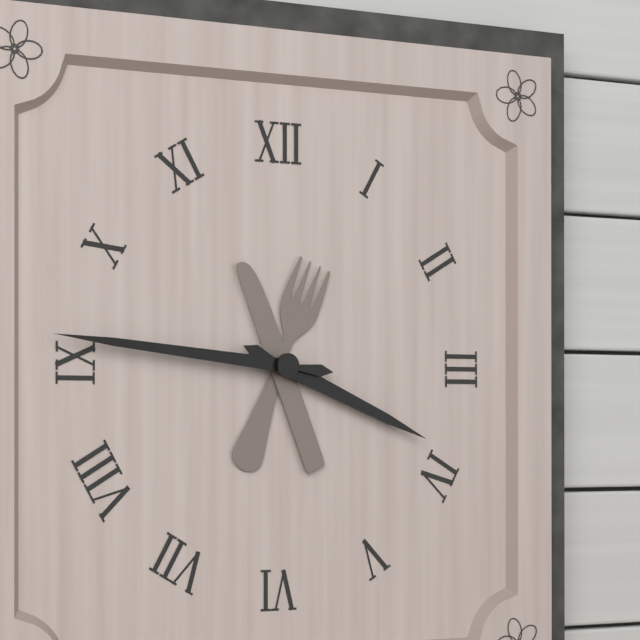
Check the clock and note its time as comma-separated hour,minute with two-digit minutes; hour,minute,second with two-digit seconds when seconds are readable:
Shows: 3,46
